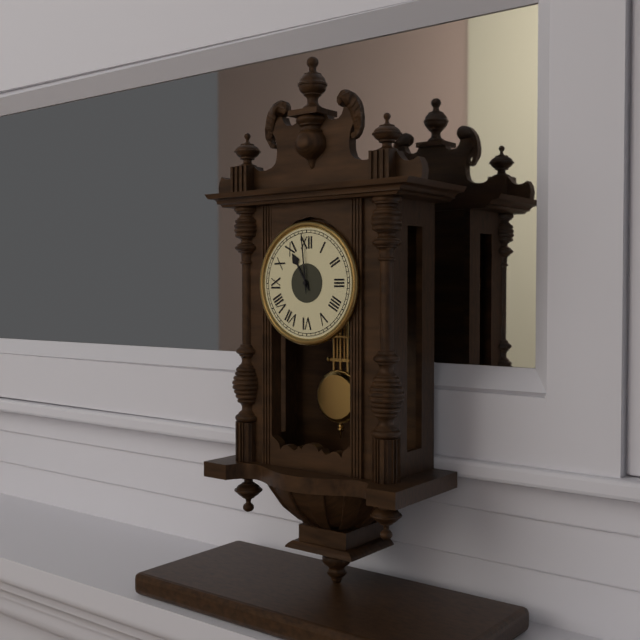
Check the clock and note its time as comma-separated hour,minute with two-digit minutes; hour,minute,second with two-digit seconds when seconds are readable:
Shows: 10,59
